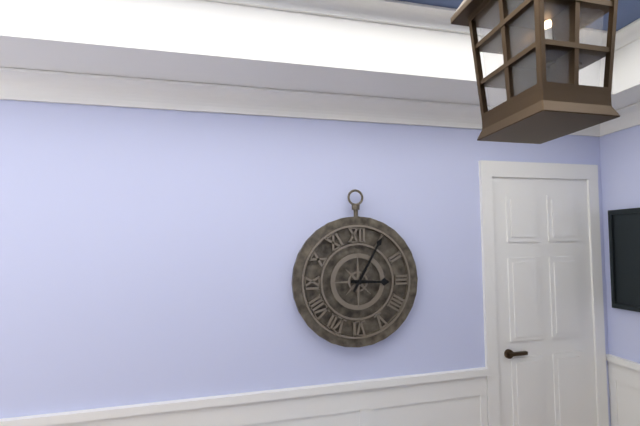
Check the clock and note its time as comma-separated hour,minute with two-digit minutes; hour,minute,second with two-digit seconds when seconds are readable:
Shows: 3,05
